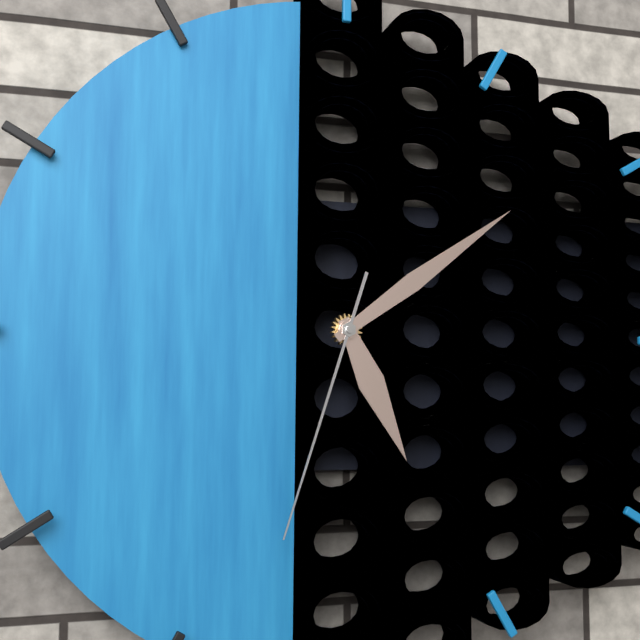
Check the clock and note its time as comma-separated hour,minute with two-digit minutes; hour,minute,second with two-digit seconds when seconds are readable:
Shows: 5,09,33
